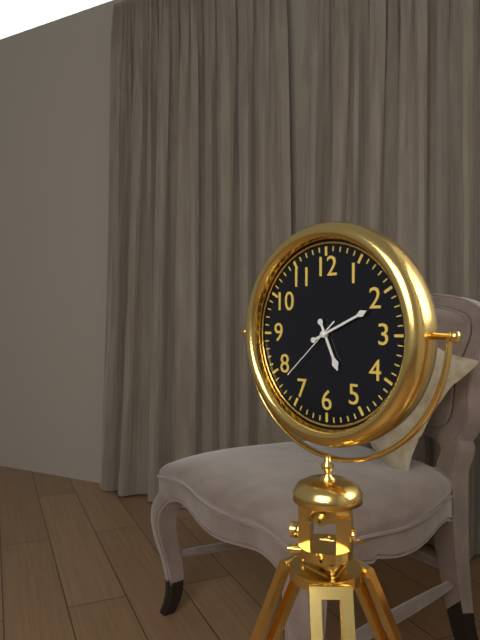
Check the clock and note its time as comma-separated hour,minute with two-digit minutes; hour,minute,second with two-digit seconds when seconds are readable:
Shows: 5,11,38
